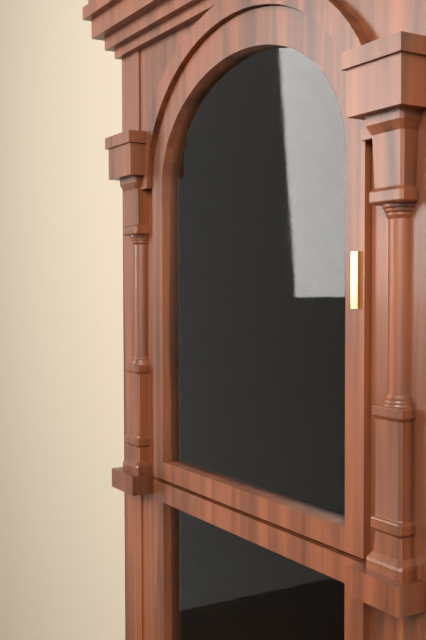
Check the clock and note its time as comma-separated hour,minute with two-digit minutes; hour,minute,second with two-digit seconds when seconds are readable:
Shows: 6,59
